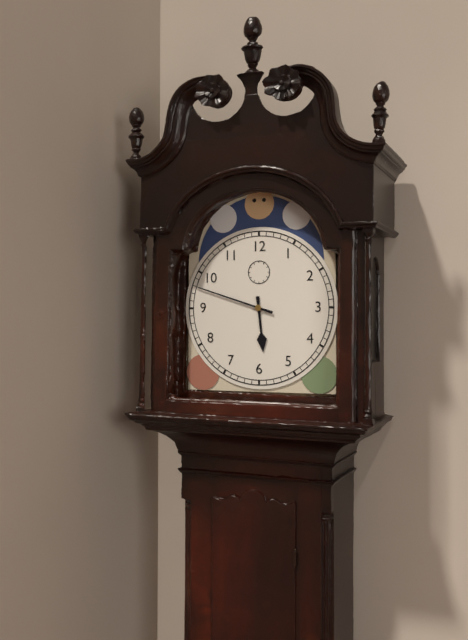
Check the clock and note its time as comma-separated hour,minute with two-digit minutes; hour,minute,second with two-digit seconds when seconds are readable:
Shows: 5,48
